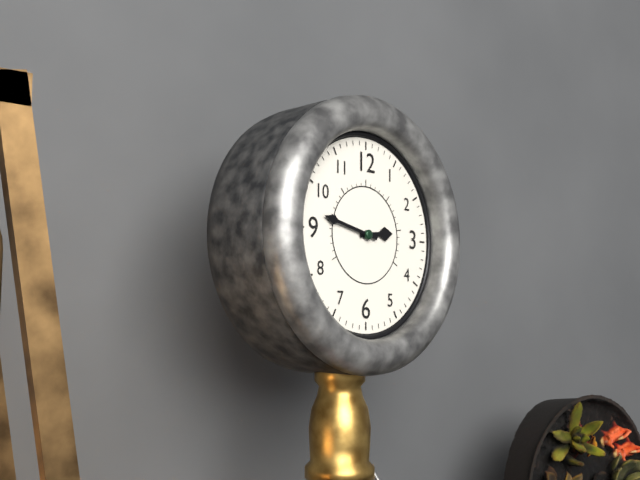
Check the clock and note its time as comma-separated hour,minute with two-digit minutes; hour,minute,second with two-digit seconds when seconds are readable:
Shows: 2,47
